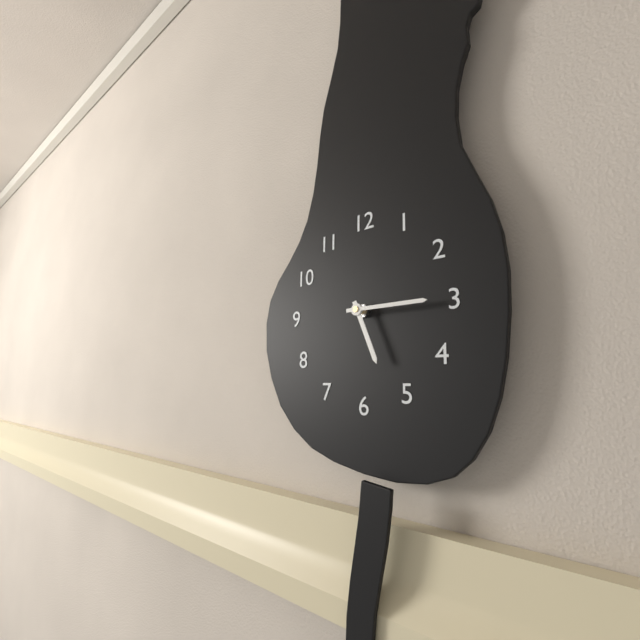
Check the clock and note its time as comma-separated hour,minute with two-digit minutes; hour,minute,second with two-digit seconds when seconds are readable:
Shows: 5,15
